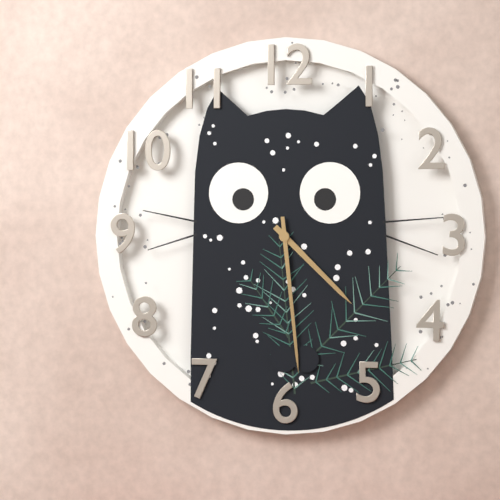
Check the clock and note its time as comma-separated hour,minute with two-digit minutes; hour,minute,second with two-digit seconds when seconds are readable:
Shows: 4,29
